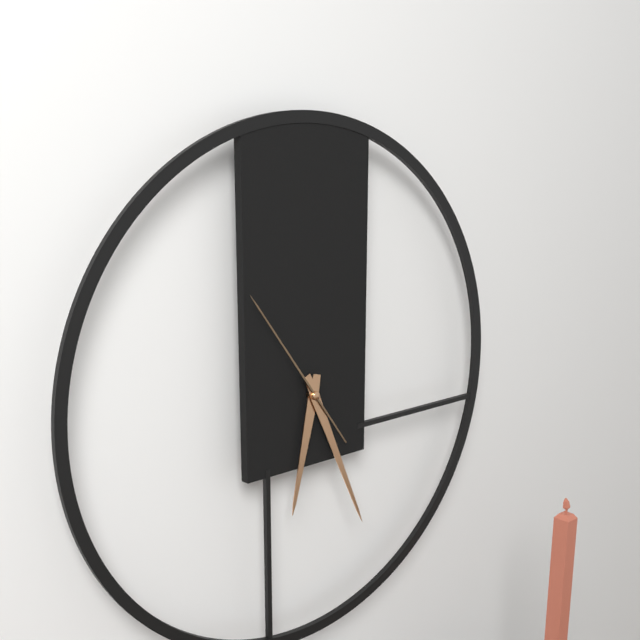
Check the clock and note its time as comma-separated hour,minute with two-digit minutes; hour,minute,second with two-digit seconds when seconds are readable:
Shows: 6,26,54
